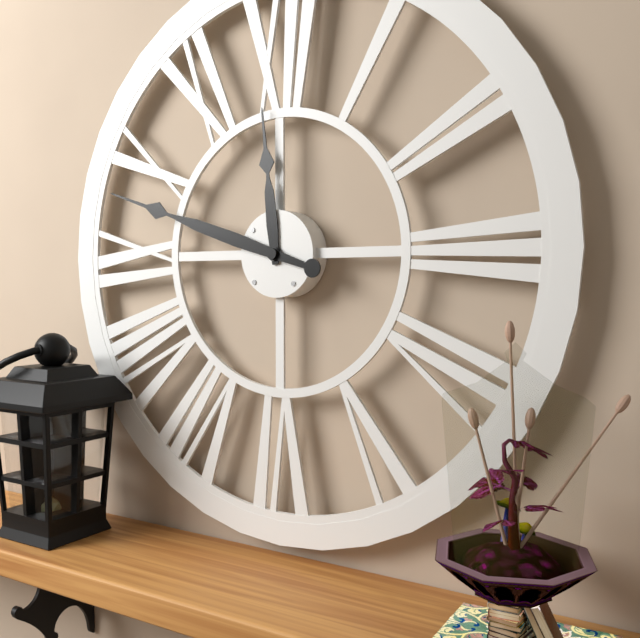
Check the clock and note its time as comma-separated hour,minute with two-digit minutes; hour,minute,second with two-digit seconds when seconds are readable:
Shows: 11,48
